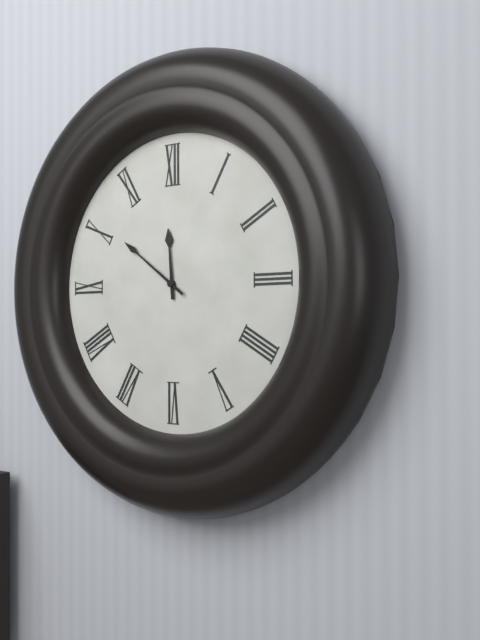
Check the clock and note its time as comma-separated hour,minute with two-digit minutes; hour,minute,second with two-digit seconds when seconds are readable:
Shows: 11,51
